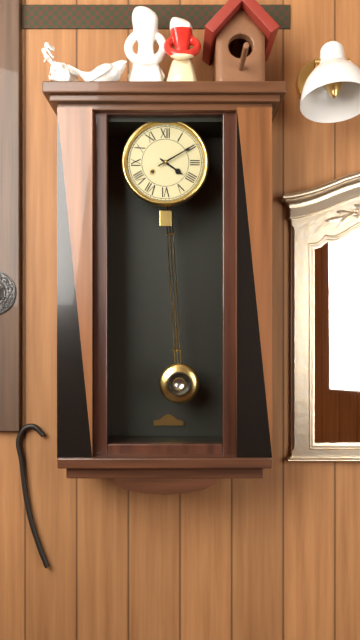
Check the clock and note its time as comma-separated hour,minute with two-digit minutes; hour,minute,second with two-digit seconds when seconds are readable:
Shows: 4,10
